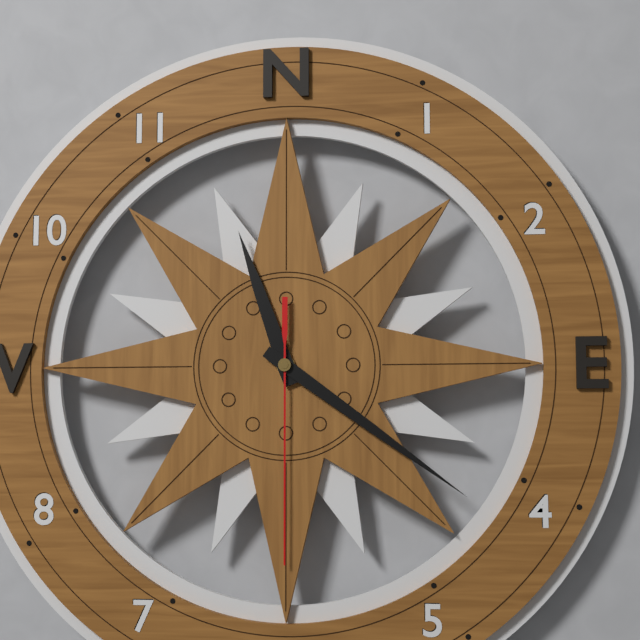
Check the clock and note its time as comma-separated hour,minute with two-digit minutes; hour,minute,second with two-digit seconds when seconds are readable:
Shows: 11,21,30
